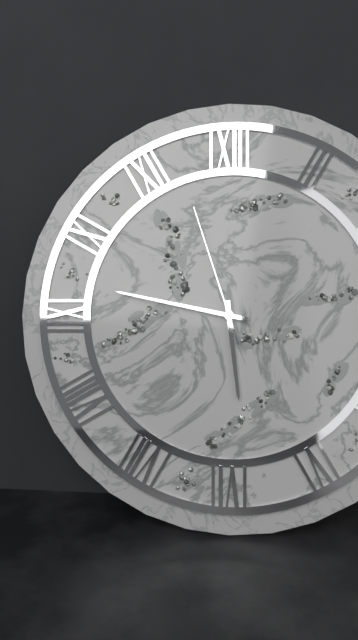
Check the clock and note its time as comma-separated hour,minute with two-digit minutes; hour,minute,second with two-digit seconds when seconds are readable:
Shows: 5,47,57
